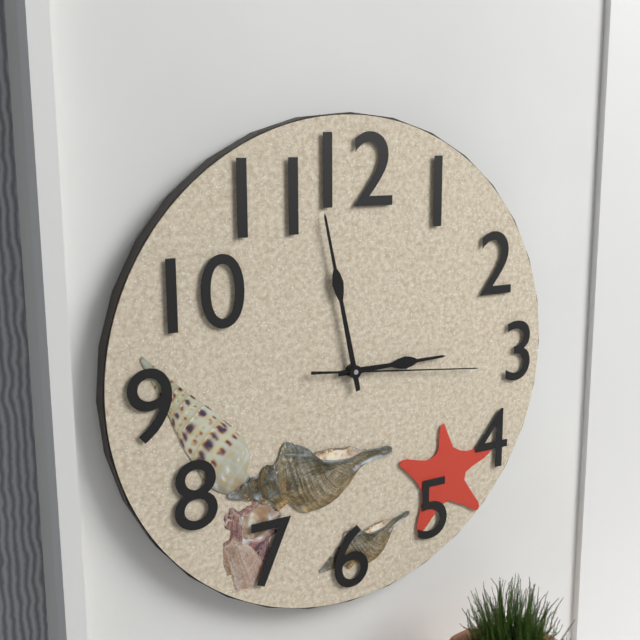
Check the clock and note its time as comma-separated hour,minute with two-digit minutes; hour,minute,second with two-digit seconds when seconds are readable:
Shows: 2,58,16
